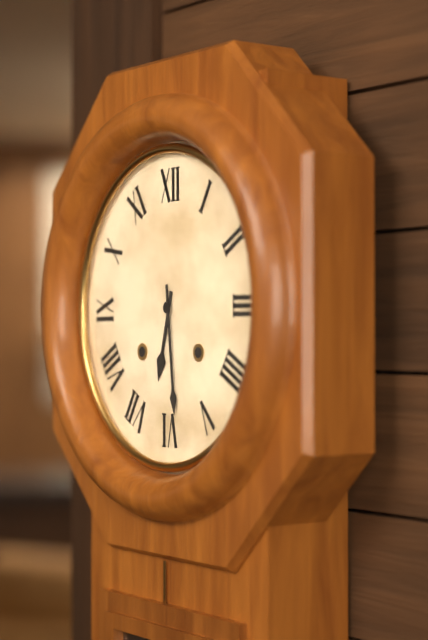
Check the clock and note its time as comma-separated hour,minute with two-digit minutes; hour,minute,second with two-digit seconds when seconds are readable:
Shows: 6,29
